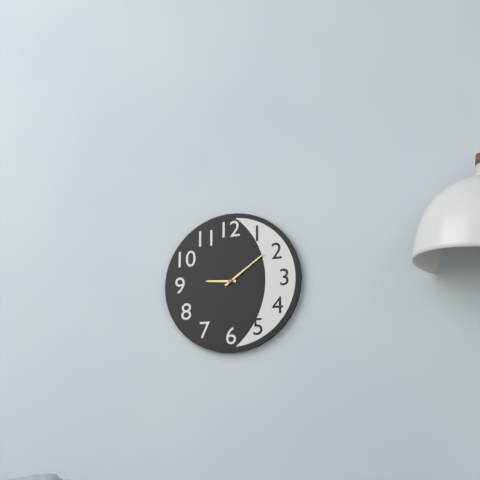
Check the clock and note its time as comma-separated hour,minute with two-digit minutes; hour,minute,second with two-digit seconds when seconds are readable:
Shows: 9,09
